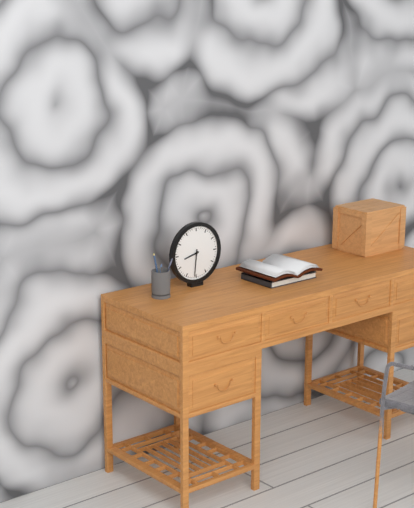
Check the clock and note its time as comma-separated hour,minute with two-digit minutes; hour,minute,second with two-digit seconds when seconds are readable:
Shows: 8,31
